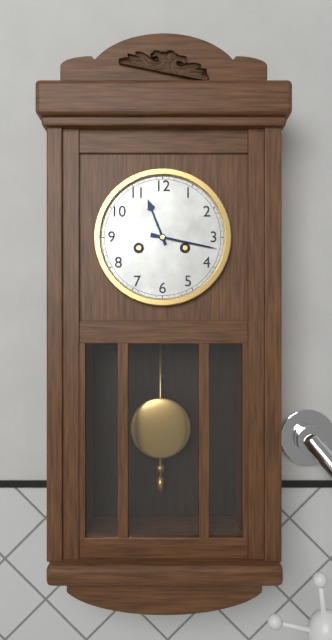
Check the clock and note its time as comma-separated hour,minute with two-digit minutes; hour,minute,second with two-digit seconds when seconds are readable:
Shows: 11,17
